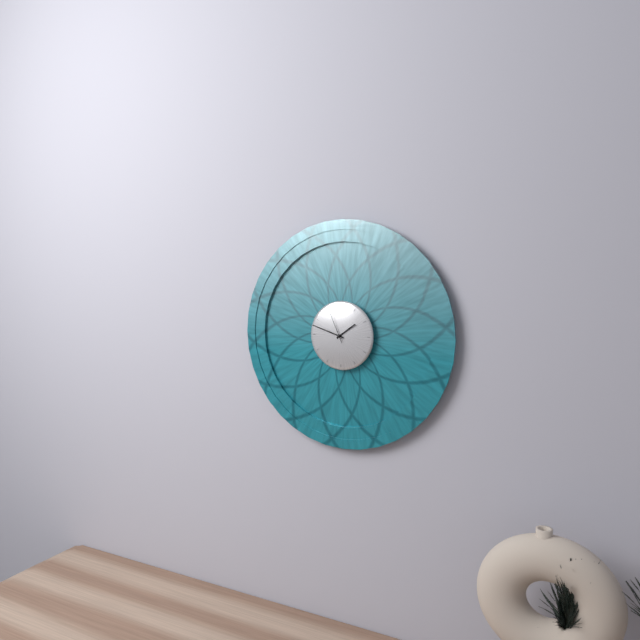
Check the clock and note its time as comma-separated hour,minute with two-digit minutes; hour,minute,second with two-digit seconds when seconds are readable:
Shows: 1,48
